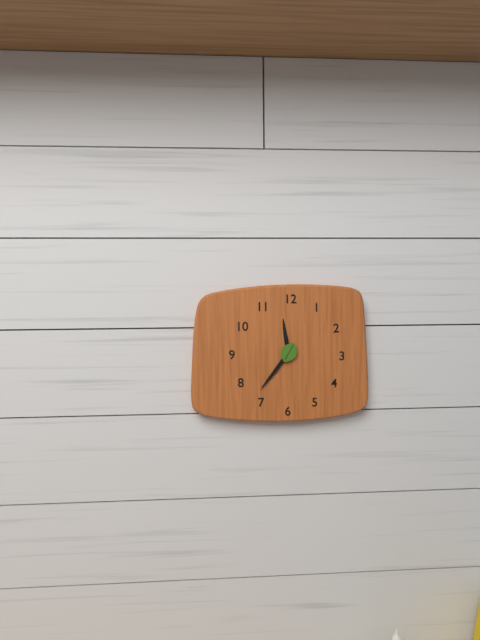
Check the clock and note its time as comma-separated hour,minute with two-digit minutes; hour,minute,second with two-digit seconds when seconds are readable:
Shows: 11,36
